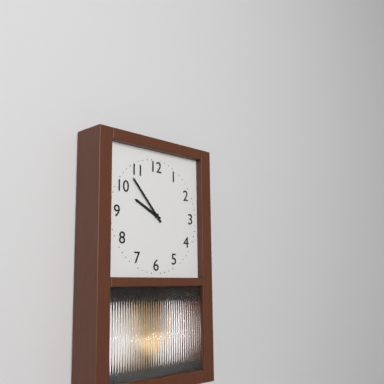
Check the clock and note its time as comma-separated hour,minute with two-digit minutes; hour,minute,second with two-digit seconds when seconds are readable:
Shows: 9,53
